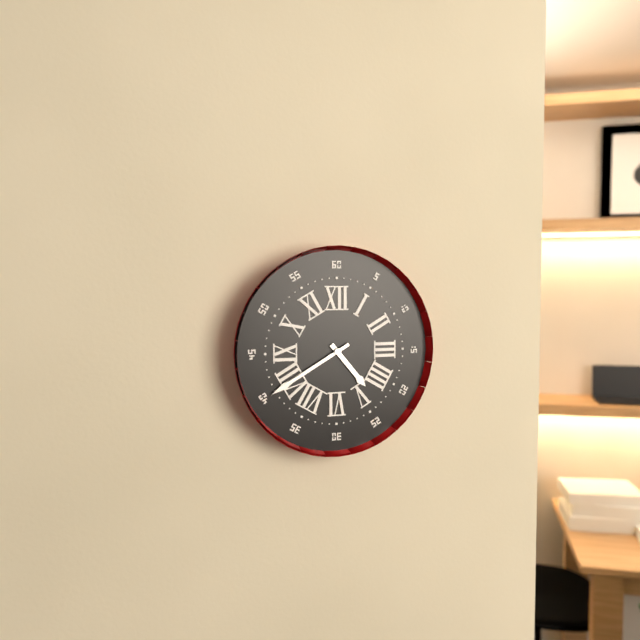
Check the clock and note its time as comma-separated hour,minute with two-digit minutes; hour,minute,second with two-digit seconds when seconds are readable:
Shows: 4,40
